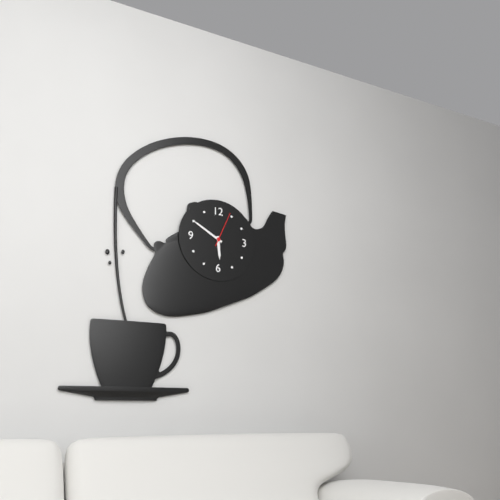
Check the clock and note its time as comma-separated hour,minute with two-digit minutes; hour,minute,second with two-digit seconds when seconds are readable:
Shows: 5,50
